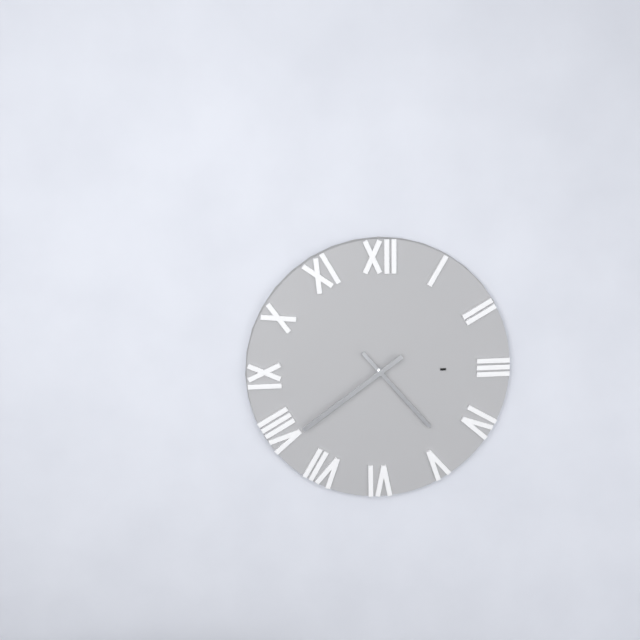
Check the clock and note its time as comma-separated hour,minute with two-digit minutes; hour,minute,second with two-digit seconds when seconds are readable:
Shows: 4,39
